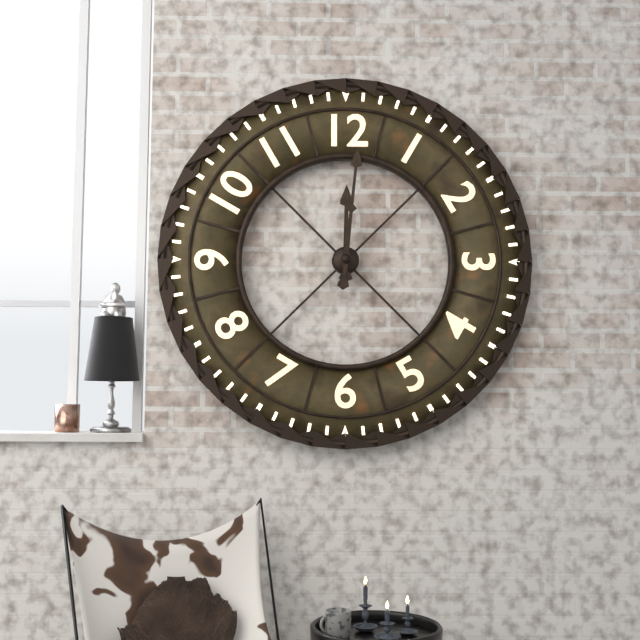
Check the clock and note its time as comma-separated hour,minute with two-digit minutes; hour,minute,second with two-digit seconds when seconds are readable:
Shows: 12,01
